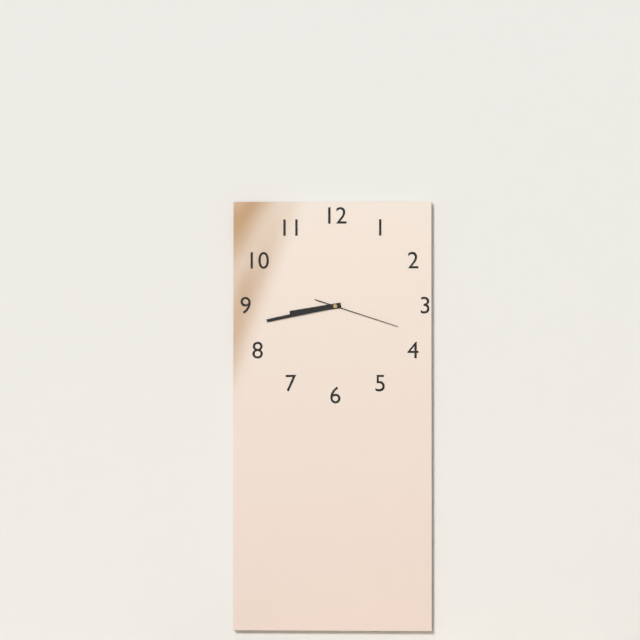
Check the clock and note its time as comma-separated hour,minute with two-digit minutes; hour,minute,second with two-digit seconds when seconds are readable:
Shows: 8,43,18
